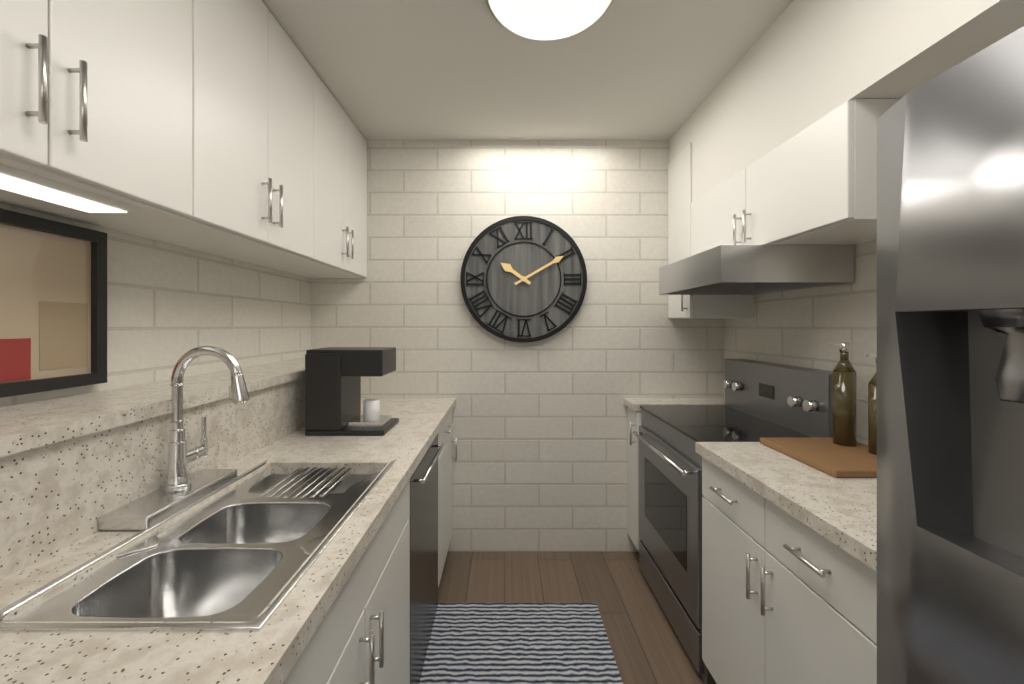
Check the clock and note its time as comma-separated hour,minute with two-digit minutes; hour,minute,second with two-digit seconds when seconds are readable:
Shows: 10,10
